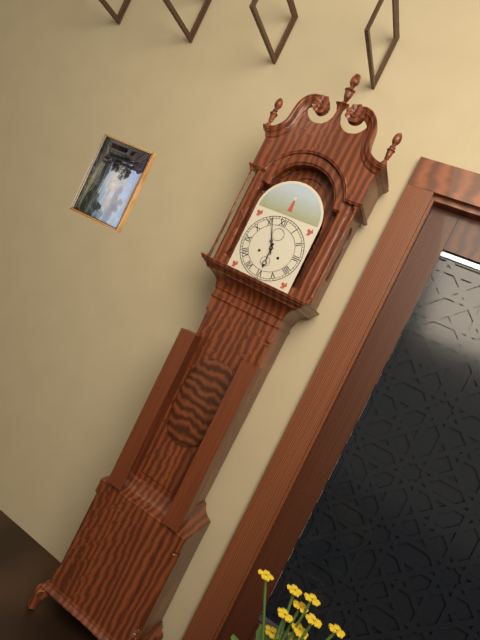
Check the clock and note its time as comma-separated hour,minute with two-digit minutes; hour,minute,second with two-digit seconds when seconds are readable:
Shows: 5,56
